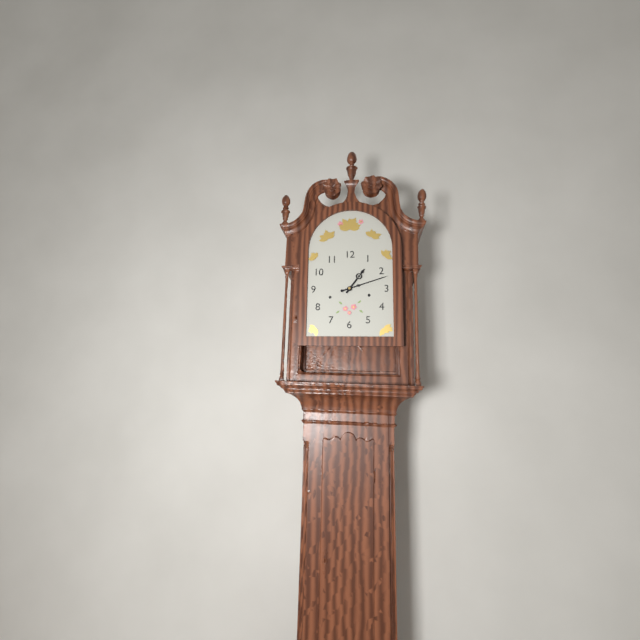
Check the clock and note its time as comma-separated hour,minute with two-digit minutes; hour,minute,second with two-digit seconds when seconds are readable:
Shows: 1,12
